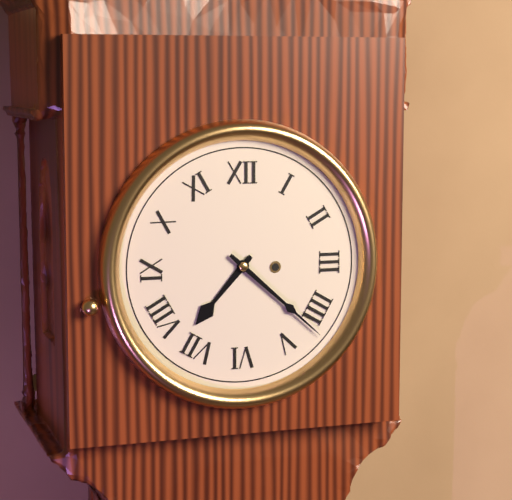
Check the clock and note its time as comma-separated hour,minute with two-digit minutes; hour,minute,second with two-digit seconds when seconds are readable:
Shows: 7,22
